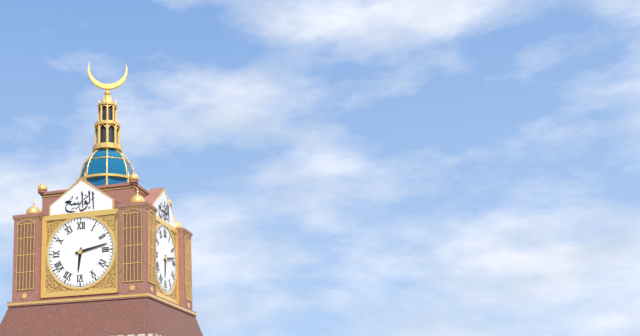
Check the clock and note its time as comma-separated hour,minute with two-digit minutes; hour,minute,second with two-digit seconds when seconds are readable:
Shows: 6,13
